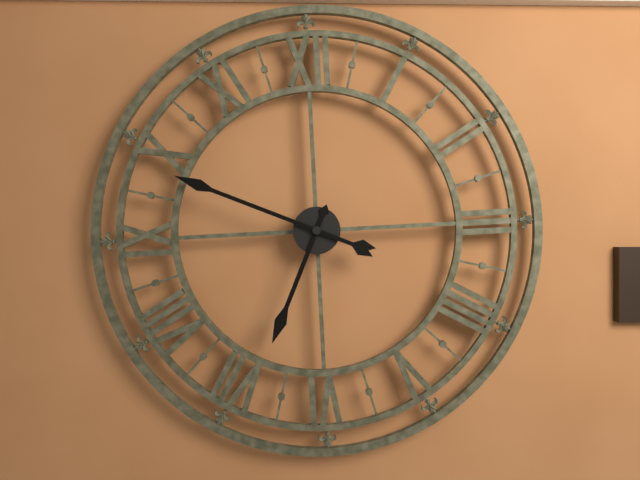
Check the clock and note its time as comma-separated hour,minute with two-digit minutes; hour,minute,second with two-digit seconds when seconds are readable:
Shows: 6,49
